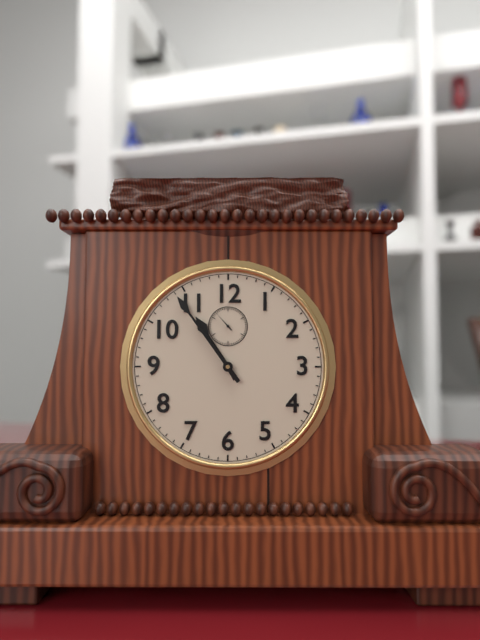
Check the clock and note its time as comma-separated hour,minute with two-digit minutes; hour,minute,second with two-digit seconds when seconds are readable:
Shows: 10,54
